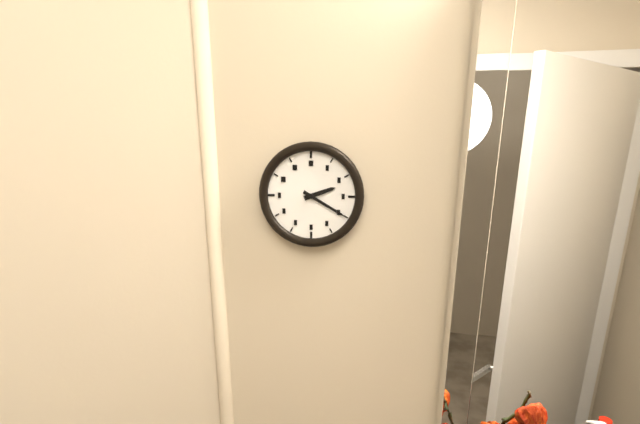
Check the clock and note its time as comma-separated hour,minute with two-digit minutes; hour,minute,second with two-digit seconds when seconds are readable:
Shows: 2,20
